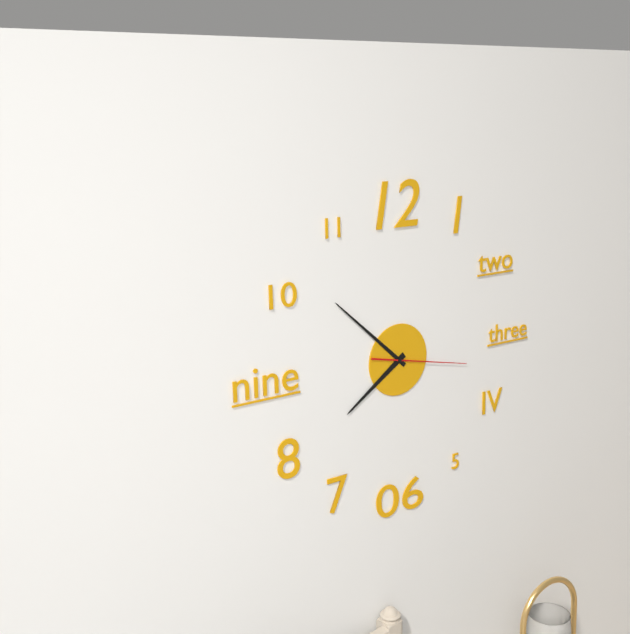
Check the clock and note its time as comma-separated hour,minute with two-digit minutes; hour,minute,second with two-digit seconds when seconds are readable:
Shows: 7,52,17
